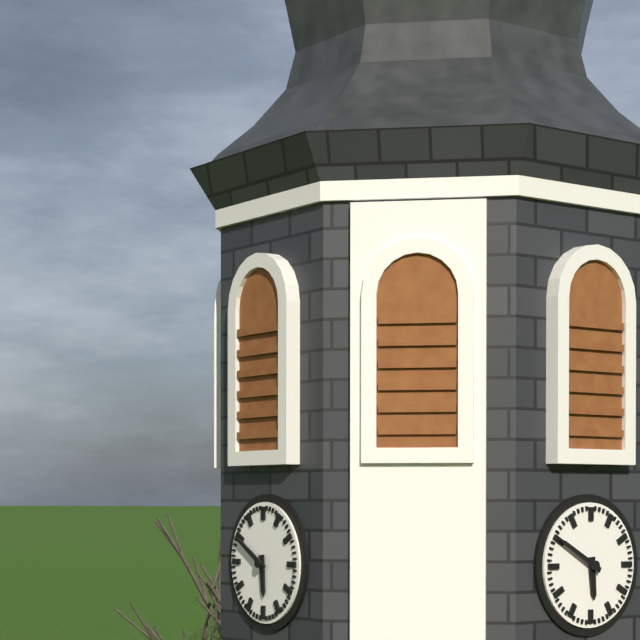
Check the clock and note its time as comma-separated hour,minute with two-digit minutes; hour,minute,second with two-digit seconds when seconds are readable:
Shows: 5,50
